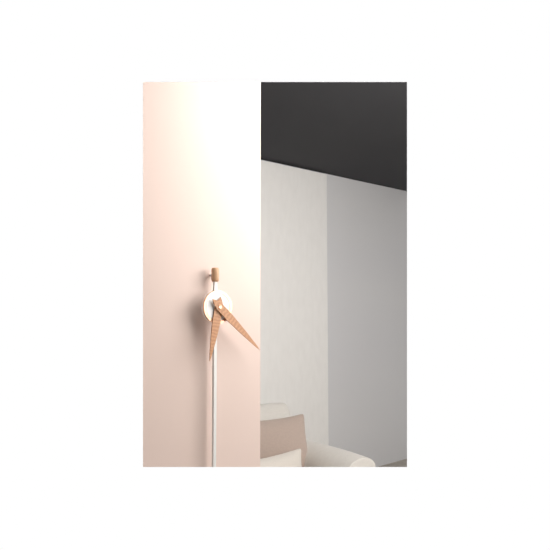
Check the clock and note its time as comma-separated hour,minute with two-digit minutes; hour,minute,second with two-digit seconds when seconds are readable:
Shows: 6,22
